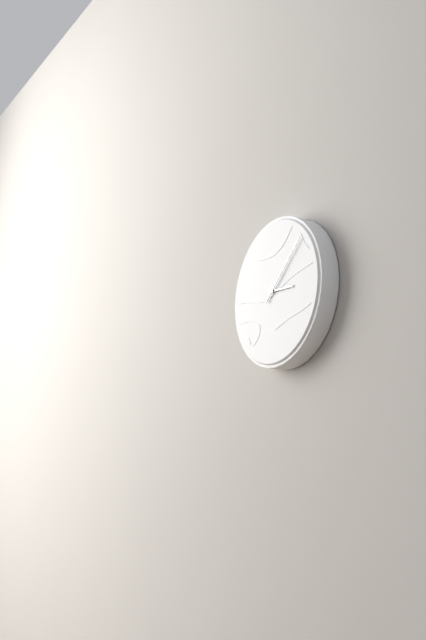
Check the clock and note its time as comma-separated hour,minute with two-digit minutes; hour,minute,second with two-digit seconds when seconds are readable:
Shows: 3,08
